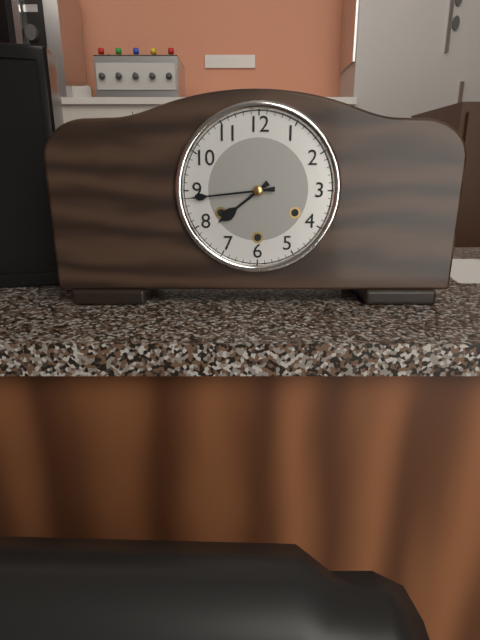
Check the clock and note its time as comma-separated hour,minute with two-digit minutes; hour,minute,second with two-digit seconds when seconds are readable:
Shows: 7,44
